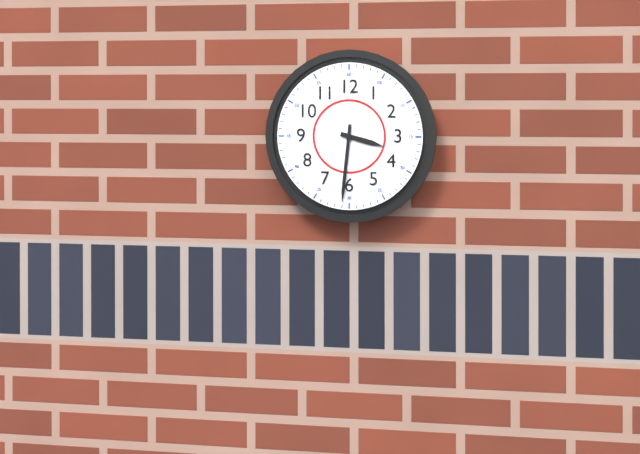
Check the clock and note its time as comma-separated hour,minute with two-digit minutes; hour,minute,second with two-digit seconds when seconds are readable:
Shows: 3,31
